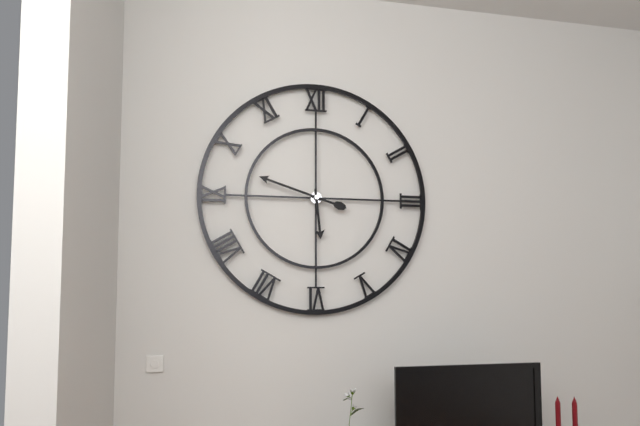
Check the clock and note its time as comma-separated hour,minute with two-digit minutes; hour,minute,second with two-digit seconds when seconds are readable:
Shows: 5,48
